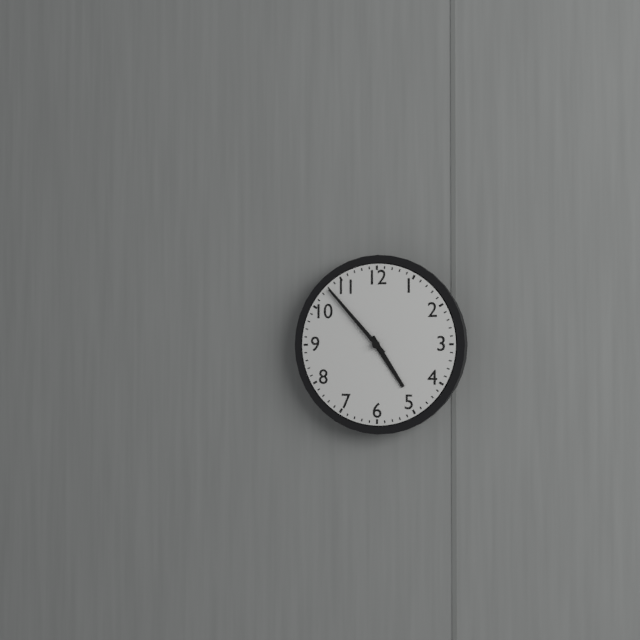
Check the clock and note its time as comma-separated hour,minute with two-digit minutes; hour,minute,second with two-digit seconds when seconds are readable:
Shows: 4,53
